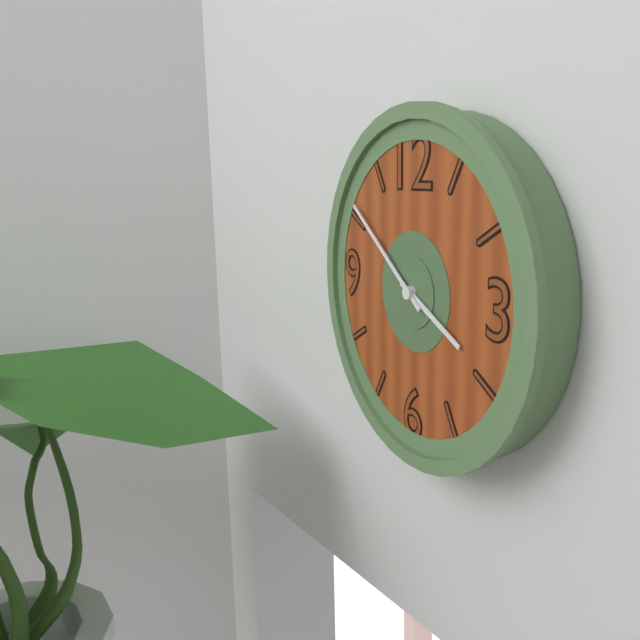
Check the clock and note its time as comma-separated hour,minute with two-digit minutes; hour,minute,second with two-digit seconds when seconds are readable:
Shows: 3,51
